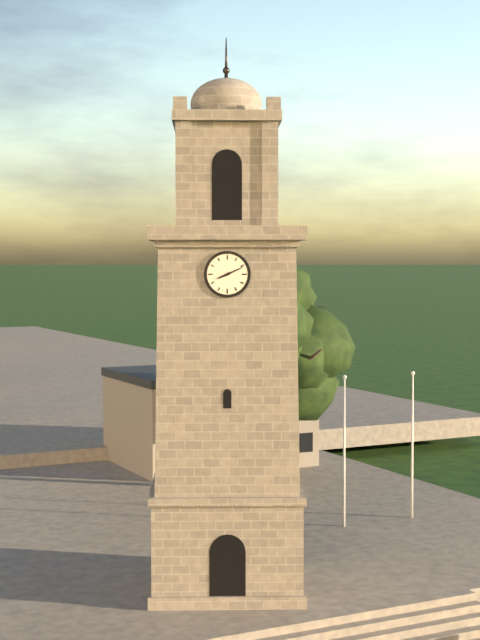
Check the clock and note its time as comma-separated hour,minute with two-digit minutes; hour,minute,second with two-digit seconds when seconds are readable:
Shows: 8,11
